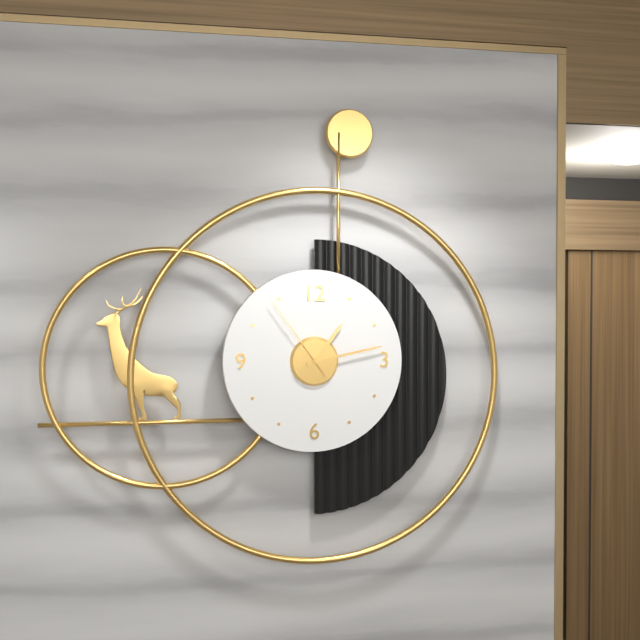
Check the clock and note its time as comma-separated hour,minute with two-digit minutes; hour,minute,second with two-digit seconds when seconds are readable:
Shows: 1,13,54
